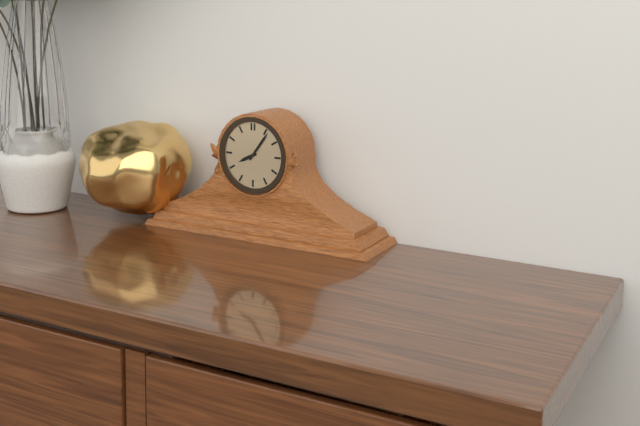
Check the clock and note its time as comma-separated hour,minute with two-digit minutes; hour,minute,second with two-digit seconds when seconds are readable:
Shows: 8,06
